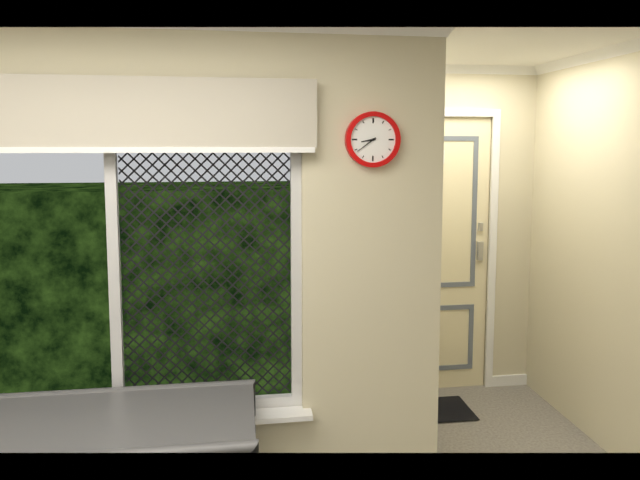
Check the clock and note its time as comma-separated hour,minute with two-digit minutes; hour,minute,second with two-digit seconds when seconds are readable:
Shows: 8,39
